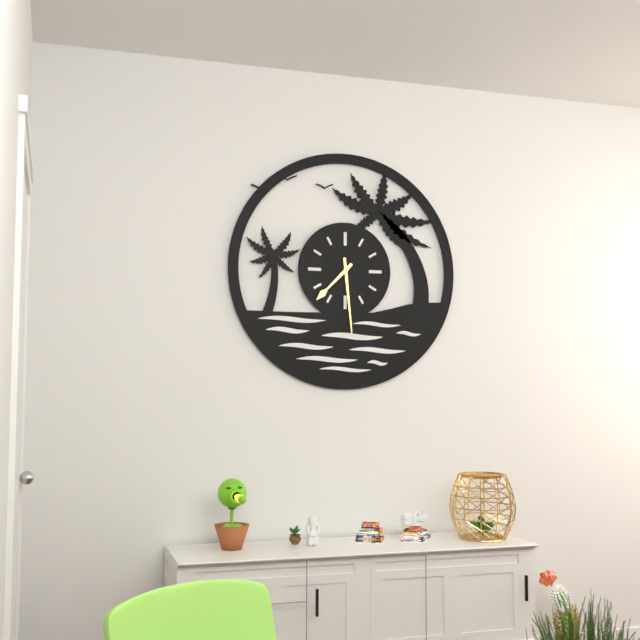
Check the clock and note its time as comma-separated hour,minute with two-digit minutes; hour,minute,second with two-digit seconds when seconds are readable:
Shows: 7,29
